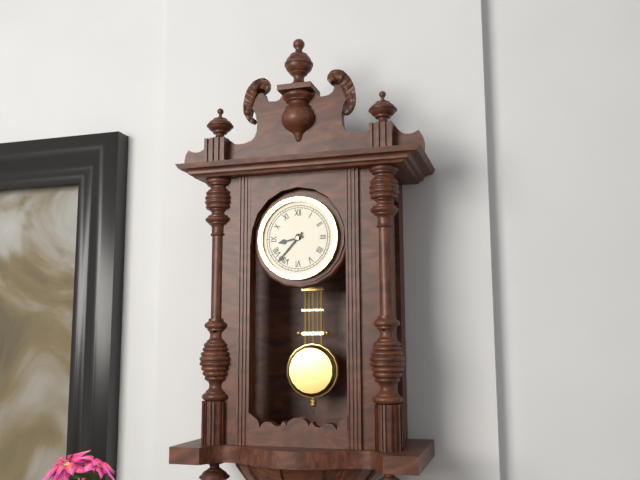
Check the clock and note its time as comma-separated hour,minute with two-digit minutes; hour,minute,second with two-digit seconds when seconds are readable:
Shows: 8,37
